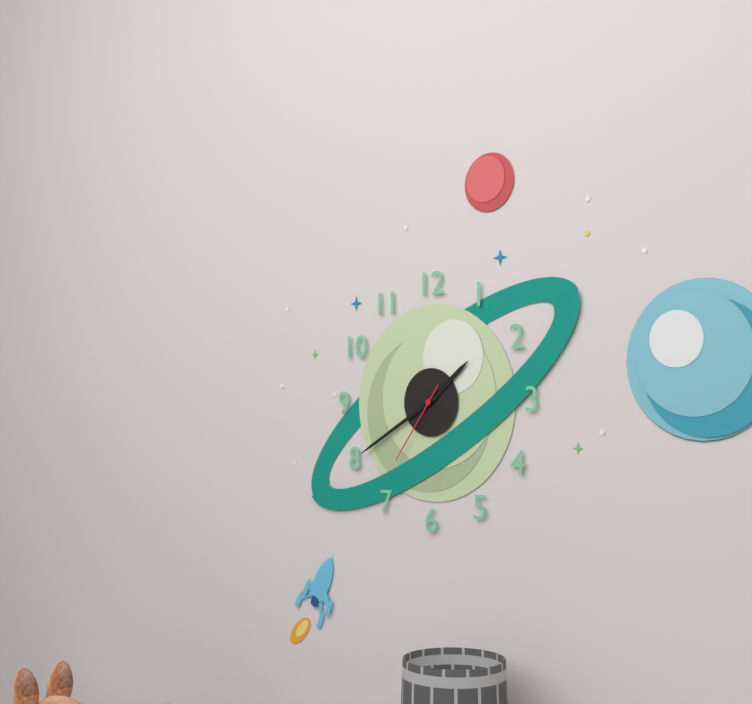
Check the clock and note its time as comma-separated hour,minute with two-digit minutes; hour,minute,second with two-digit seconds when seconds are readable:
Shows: 1,40,36
